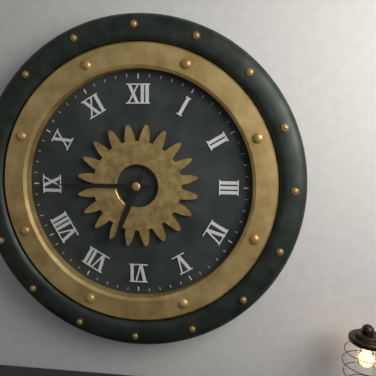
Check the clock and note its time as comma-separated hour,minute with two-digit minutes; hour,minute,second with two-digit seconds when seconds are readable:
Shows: 6,45
